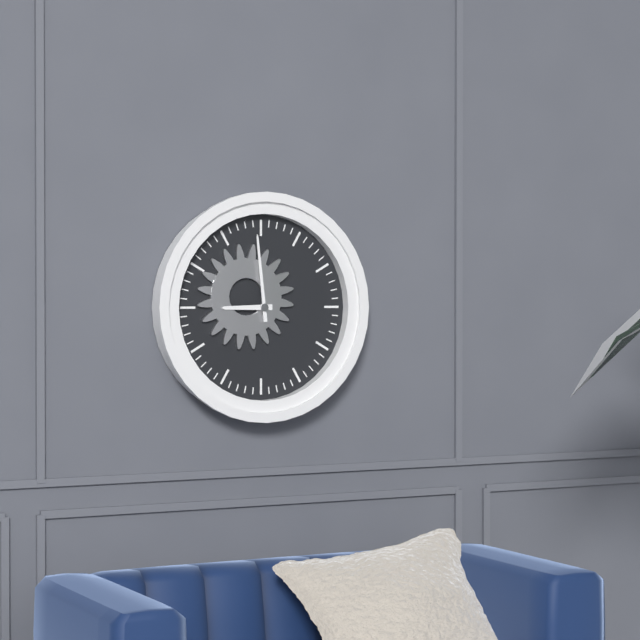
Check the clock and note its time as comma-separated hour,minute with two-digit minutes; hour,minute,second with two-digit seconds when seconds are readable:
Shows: 8,59
